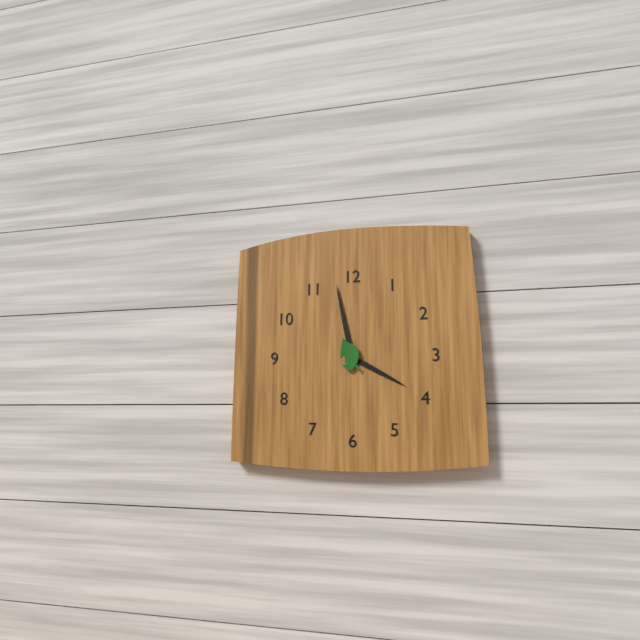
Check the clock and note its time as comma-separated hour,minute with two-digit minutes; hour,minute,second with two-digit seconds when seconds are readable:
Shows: 3,58
